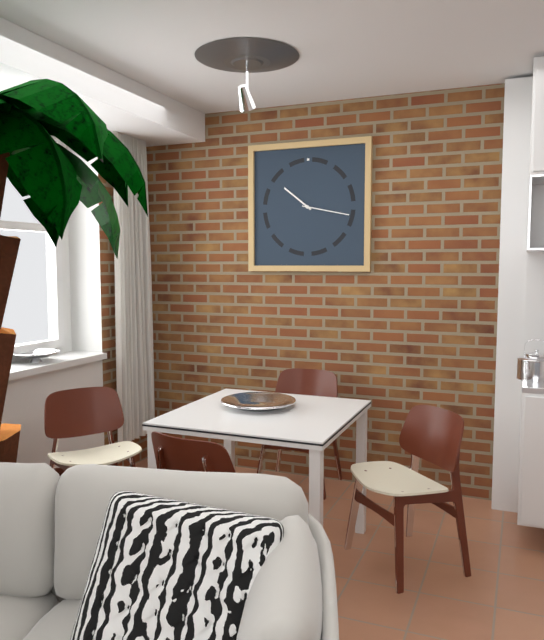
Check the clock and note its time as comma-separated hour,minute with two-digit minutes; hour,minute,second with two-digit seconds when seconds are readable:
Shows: 10,17
